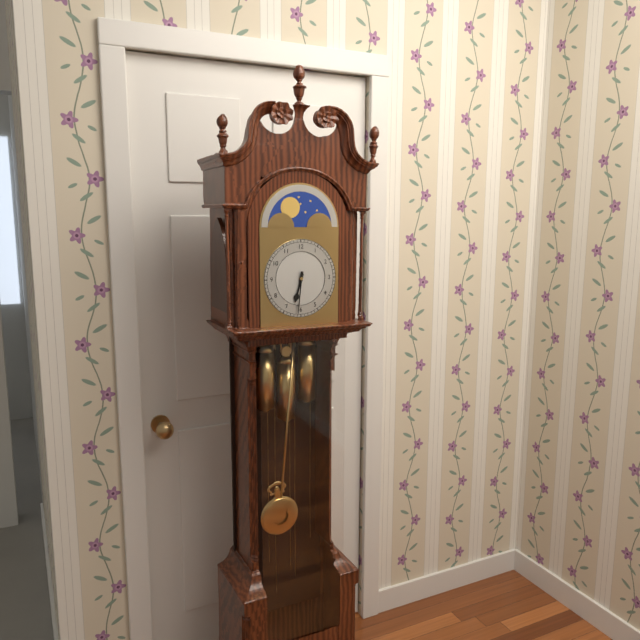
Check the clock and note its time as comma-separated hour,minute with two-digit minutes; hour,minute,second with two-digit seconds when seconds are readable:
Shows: 6,31
